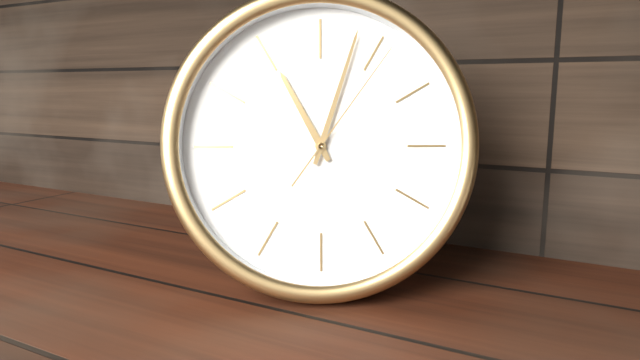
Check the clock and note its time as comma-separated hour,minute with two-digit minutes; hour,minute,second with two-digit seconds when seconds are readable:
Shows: 11,03,06
